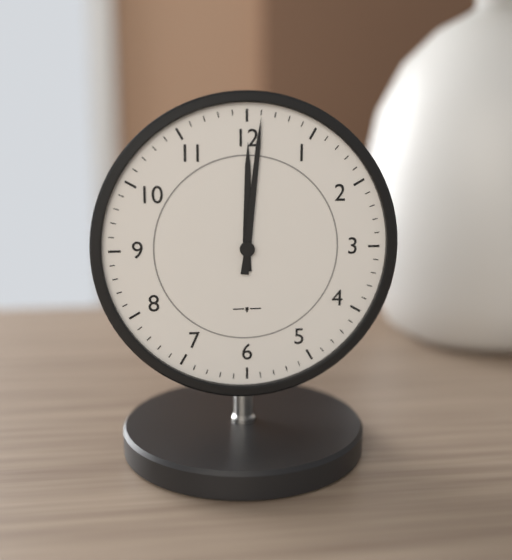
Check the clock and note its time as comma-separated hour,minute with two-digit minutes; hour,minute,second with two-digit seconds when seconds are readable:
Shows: 12,01
